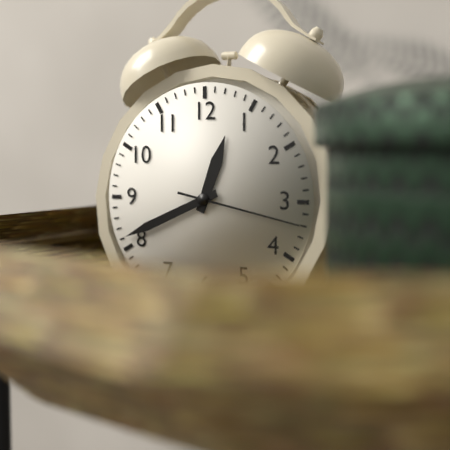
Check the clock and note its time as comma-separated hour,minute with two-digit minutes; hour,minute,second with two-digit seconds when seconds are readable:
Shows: 12,41,17
